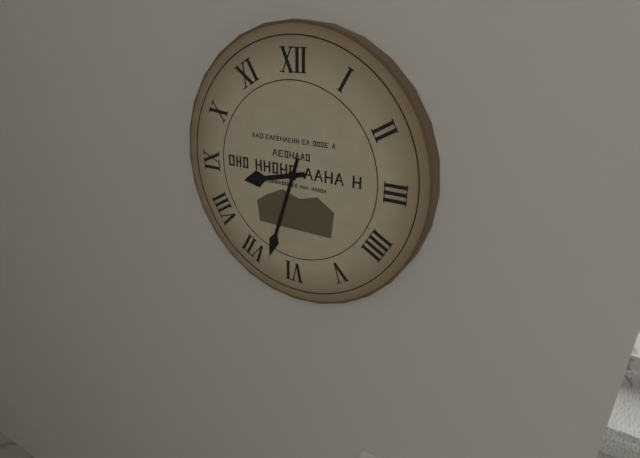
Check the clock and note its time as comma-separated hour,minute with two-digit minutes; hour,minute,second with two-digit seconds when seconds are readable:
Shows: 8,33
